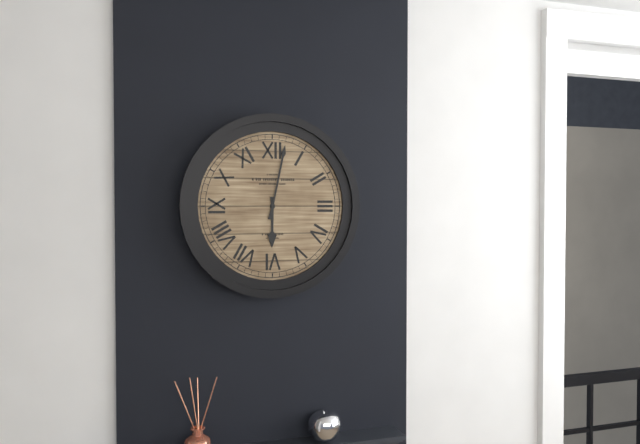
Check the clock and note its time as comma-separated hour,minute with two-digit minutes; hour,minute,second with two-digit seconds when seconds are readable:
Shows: 6,02
